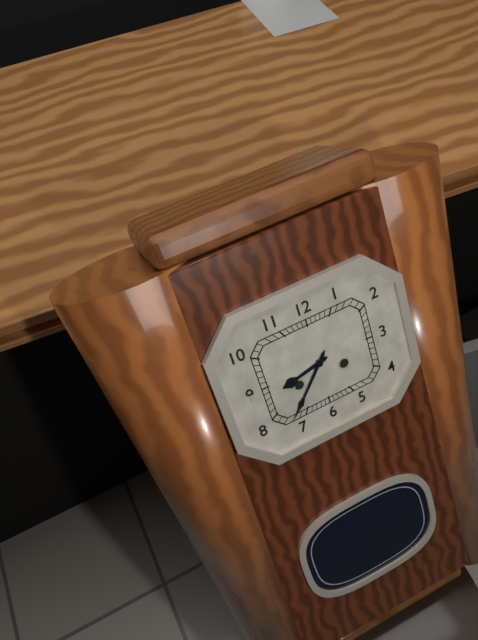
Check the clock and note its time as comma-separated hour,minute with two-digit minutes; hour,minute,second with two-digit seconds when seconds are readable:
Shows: 8,37
